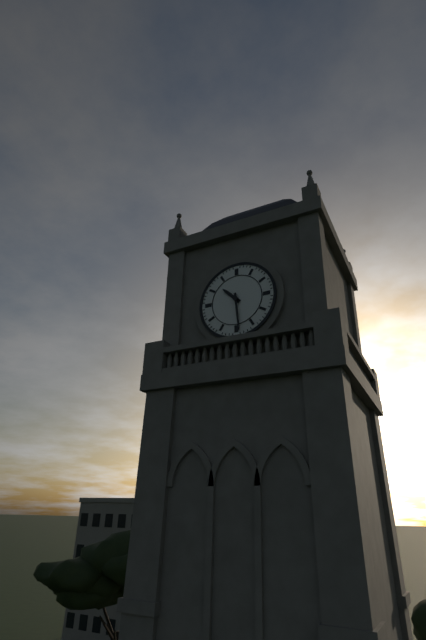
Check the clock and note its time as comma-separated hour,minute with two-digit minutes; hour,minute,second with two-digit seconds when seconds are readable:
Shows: 10,29
